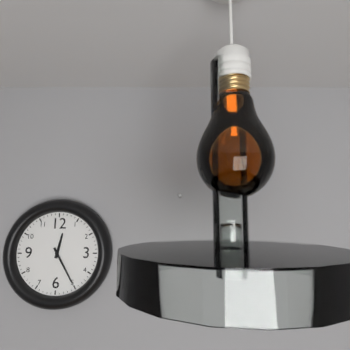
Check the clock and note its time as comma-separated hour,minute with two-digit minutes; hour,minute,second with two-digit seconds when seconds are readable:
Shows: 12,25
